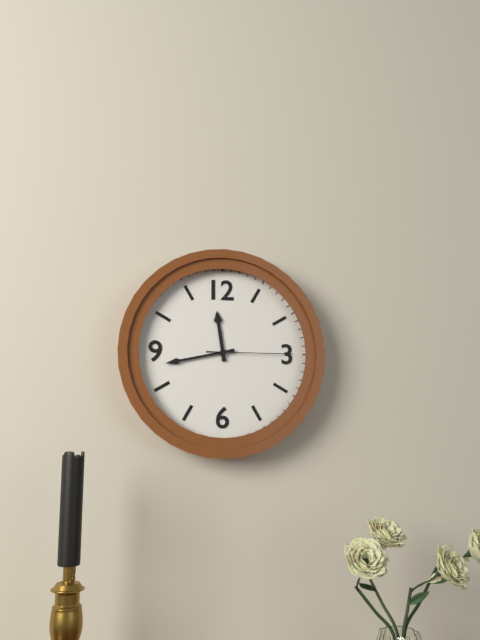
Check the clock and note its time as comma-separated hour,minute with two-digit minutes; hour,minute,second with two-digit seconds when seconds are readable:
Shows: 11,43,15
